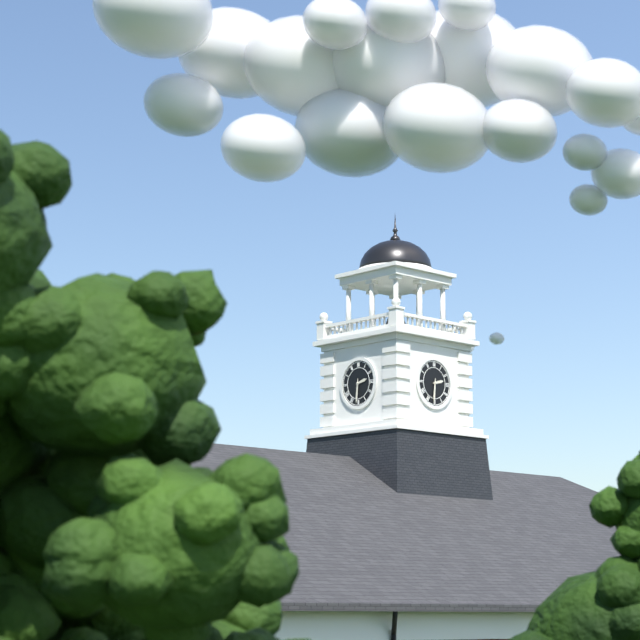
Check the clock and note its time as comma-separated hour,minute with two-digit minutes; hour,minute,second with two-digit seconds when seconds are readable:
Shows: 2,31
